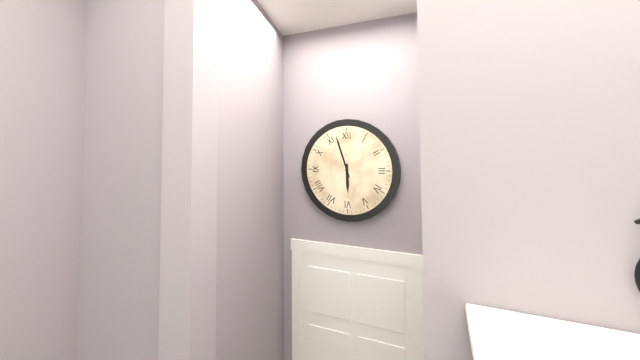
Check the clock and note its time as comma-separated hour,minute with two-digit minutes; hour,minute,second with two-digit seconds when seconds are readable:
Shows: 5,57
